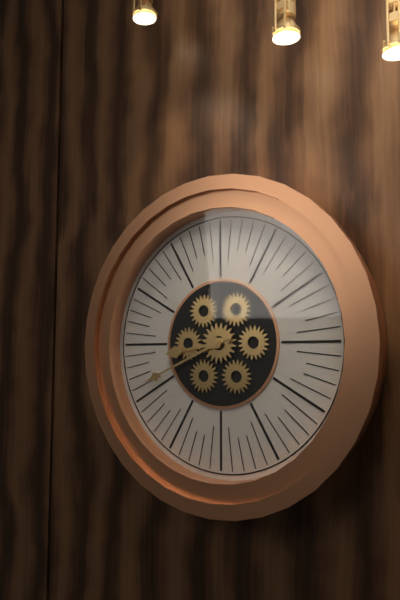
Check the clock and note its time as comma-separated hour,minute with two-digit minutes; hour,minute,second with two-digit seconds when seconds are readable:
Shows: 8,41
